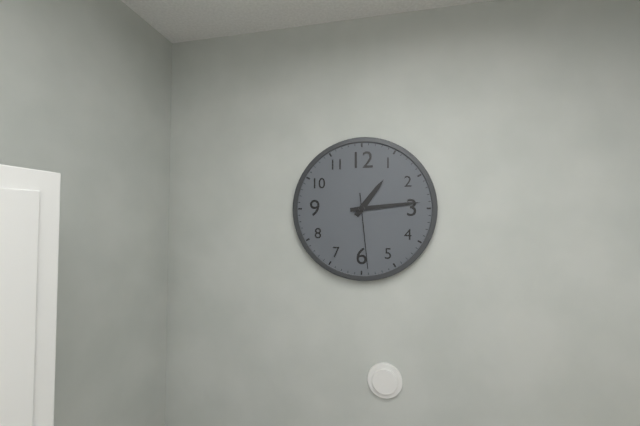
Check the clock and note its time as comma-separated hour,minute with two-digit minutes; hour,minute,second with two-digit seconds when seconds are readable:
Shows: 1,14,29
